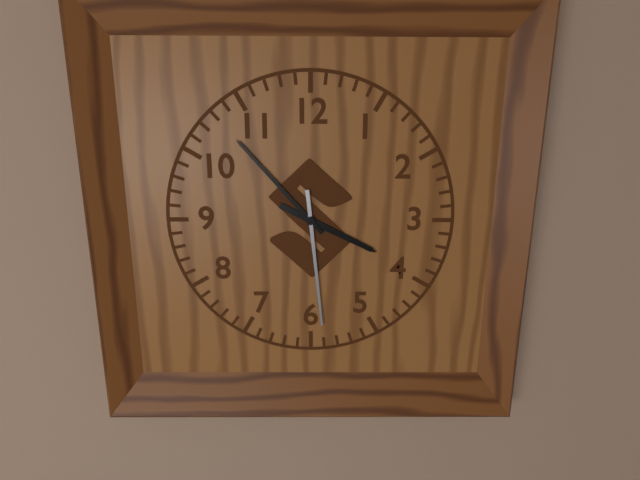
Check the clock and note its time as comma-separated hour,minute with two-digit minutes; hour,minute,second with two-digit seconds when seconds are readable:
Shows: 3,53,29
